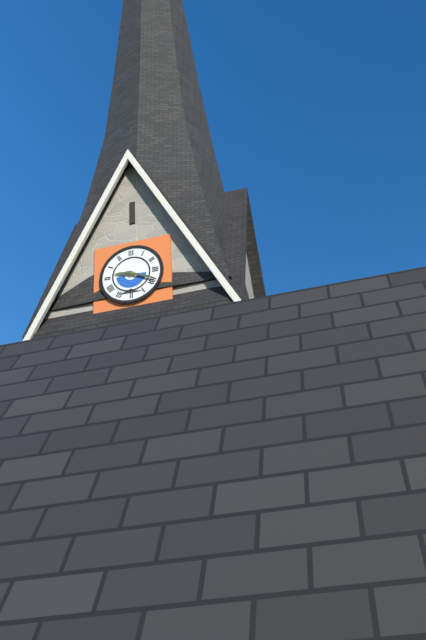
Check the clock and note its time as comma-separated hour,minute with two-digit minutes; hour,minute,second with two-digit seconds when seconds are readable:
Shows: 9,19
